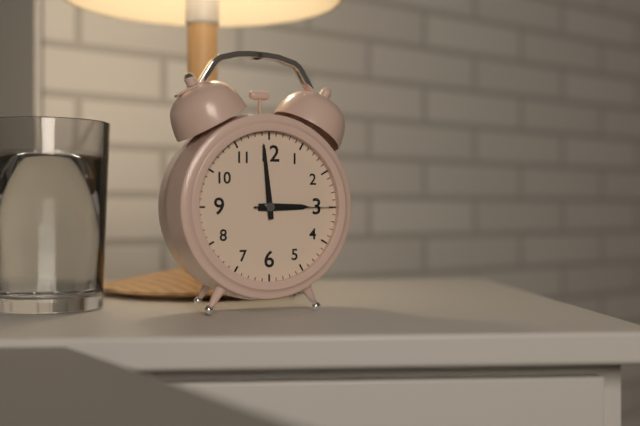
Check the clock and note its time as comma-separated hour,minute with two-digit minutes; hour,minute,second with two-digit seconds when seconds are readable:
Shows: 2,59,15
